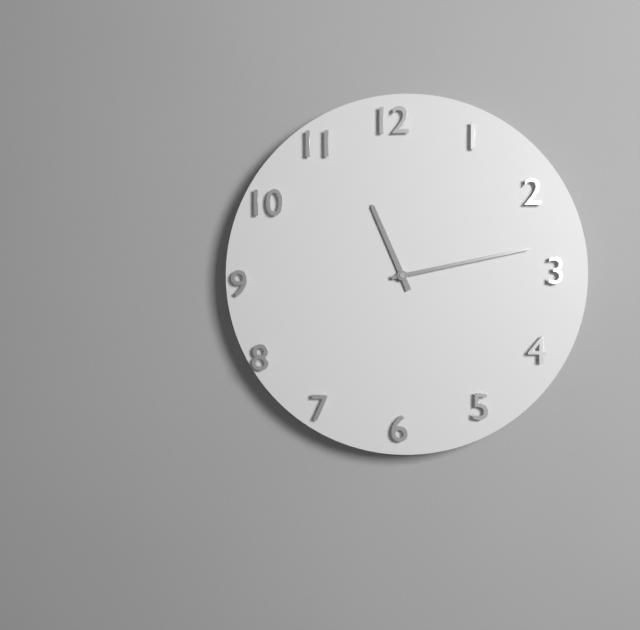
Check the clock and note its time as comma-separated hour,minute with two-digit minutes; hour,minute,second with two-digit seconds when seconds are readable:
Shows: 11,13
